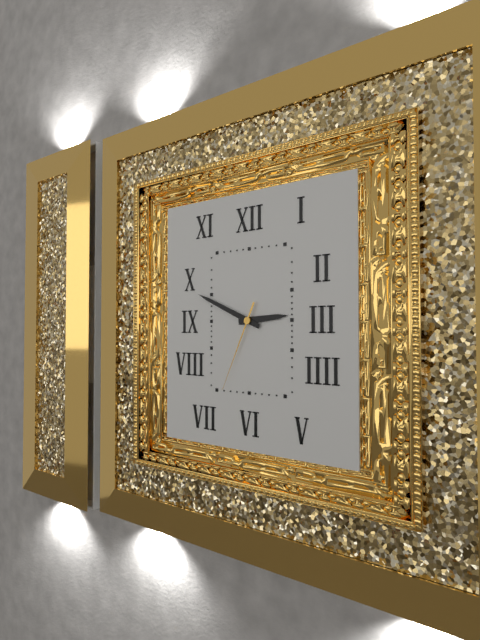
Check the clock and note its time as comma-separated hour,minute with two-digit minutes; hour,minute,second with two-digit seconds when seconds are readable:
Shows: 2,49,34
